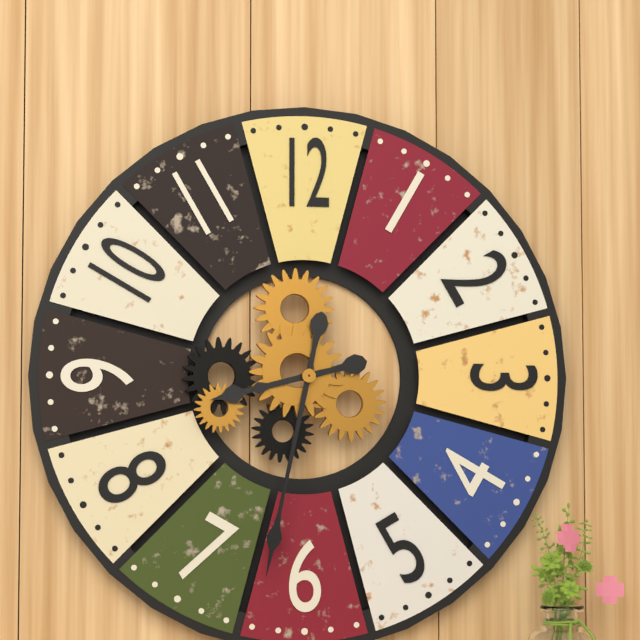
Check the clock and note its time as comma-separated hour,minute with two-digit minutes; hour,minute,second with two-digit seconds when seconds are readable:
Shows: 8,32
